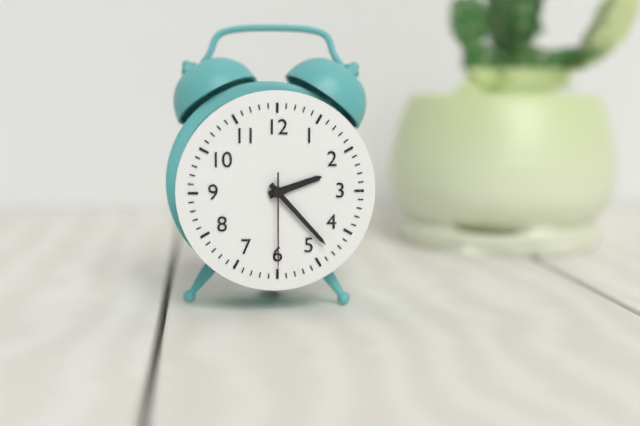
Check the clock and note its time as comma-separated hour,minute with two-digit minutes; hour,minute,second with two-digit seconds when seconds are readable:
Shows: 2,23,30
